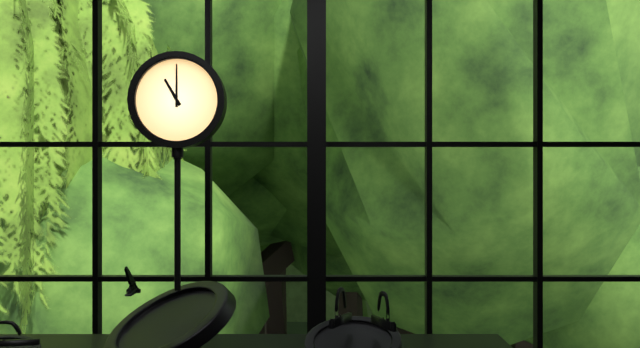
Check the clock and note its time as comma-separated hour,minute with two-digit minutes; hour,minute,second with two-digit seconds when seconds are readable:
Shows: 11,00
